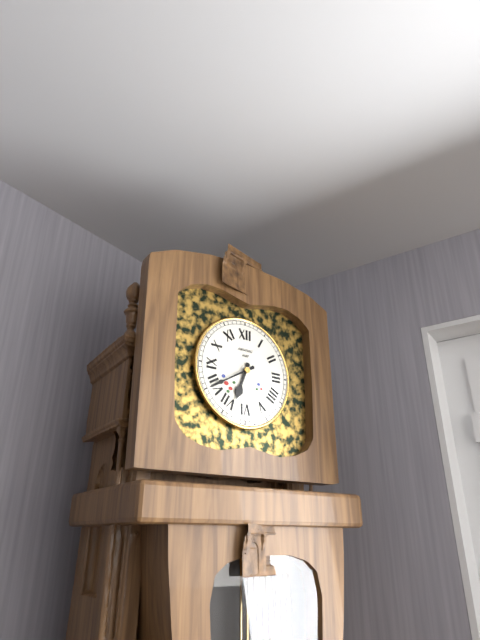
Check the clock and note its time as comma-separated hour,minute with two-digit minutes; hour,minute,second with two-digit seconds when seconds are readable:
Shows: 6,40
